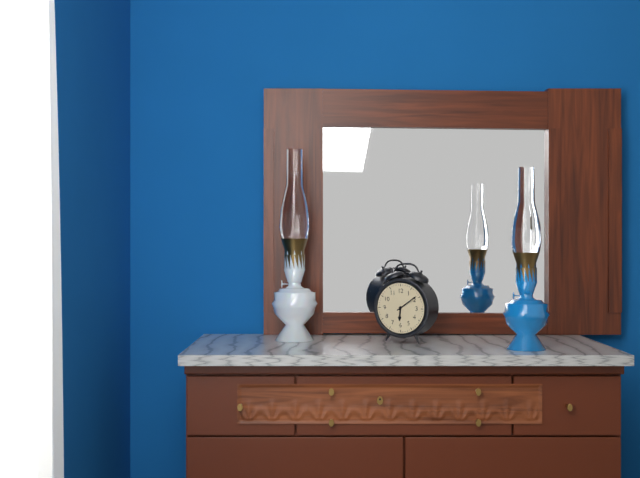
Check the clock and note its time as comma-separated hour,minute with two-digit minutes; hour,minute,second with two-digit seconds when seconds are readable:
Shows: 6,09
